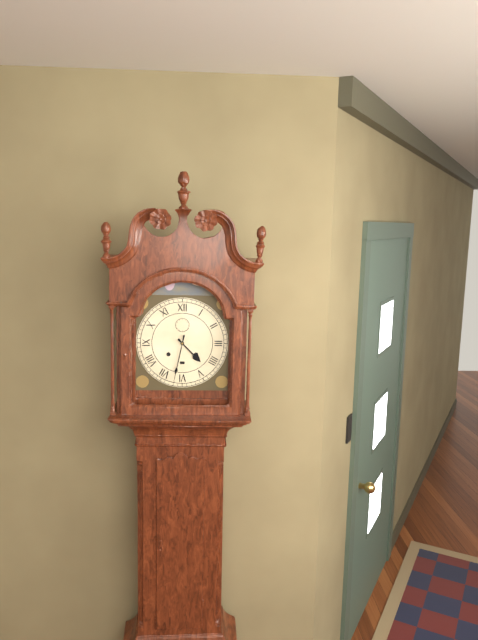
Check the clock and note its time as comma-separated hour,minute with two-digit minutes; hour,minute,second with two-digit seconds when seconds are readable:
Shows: 4,32
